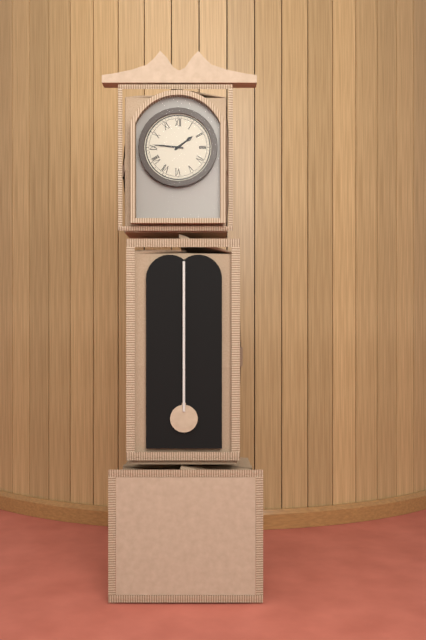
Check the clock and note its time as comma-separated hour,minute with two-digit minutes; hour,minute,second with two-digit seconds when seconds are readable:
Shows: 1,46
